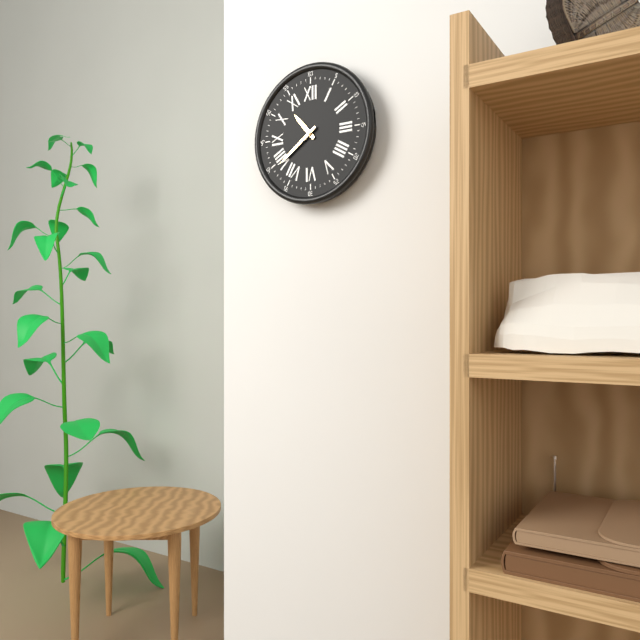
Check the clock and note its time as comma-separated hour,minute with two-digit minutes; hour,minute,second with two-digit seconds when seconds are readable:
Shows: 10,39
